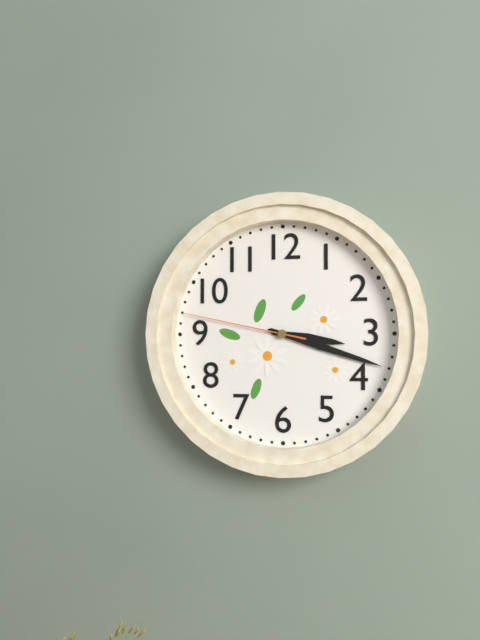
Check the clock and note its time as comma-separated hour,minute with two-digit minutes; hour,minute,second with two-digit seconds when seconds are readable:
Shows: 3,18,47
